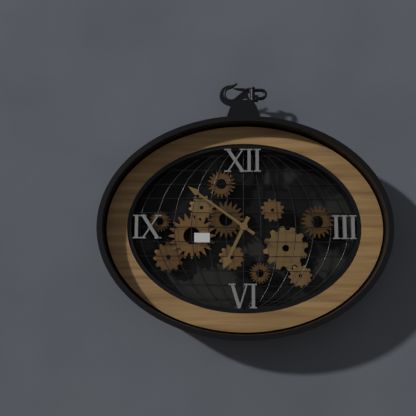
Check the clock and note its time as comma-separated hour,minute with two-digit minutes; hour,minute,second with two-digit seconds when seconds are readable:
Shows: 6,51
